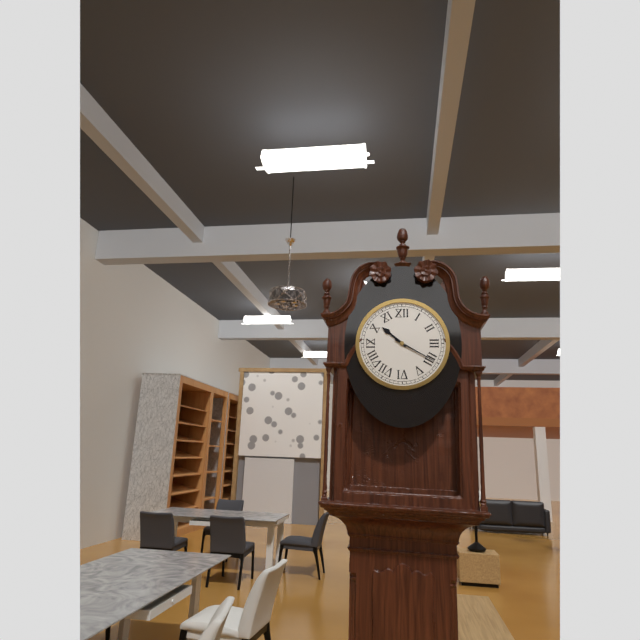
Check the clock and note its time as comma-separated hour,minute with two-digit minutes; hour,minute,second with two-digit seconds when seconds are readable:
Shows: 10,20
